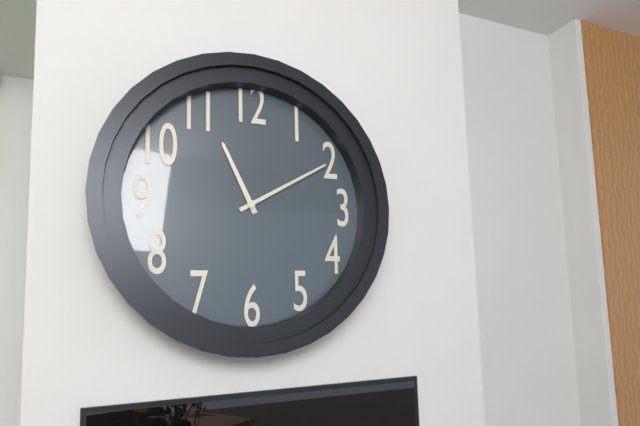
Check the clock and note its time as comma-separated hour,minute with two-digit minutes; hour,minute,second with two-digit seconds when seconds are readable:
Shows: 11,10
